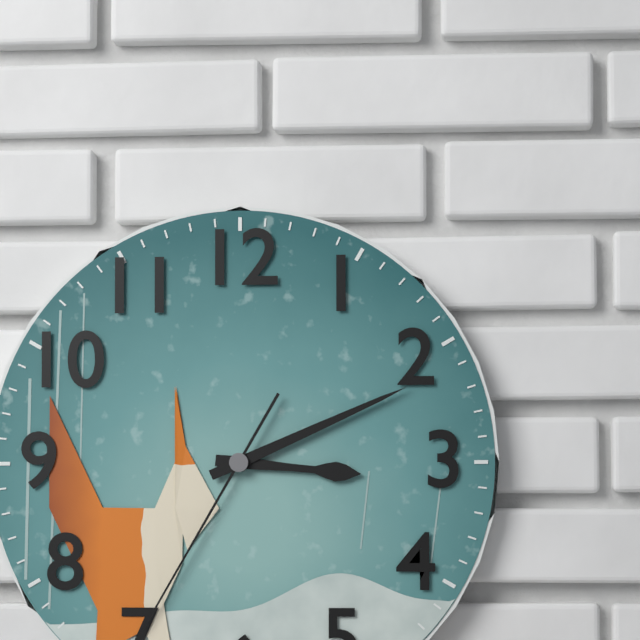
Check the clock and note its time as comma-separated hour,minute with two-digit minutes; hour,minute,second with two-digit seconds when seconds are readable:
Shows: 3,11,35
